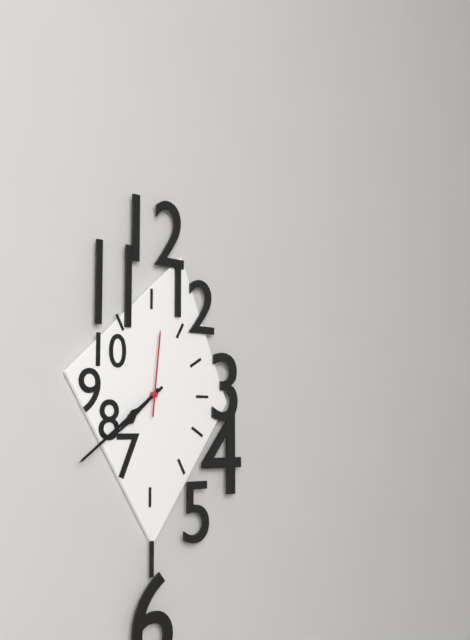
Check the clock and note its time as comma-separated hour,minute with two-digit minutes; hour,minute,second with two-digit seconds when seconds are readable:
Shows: 7,39,01
